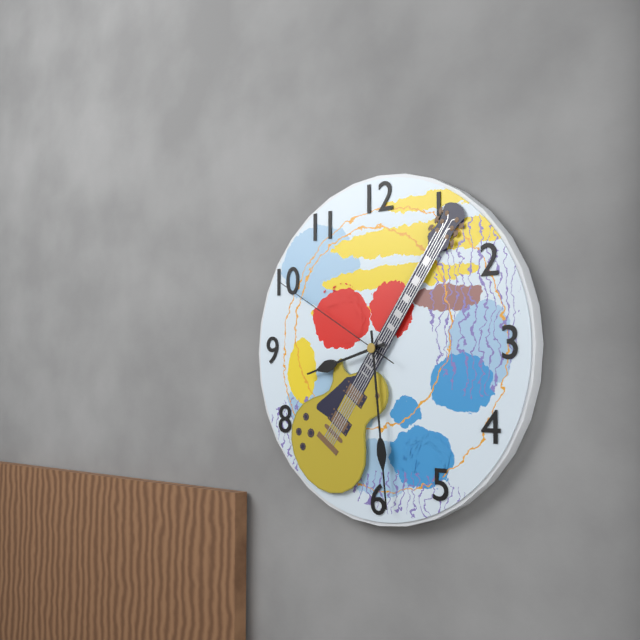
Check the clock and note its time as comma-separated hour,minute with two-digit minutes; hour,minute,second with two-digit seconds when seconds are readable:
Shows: 8,29,50
